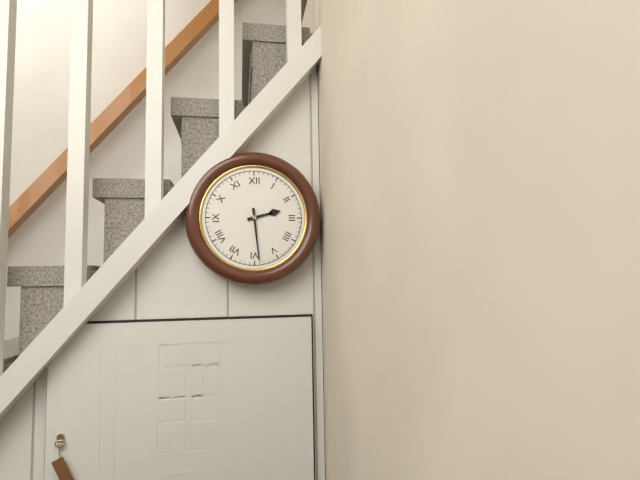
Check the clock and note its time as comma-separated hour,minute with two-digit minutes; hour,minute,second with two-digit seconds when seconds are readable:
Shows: 2,29
